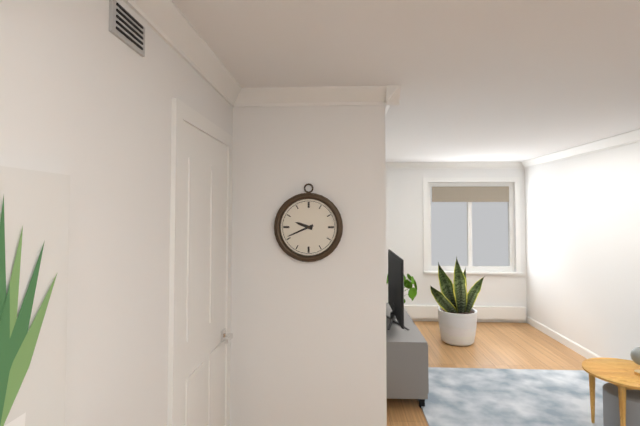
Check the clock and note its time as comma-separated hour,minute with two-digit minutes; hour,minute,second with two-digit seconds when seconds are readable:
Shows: 9,41
